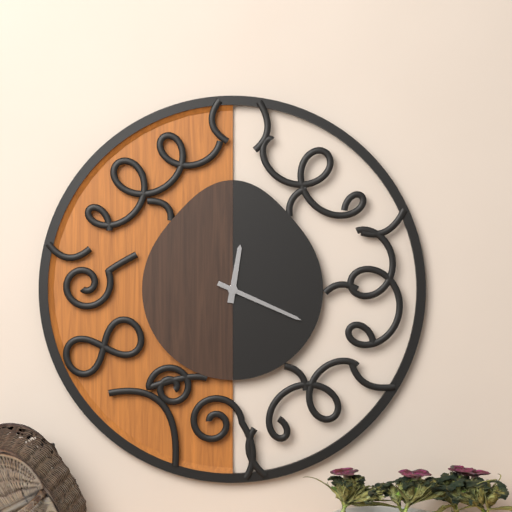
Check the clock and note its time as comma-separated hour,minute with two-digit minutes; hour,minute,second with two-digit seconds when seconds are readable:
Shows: 12,19
